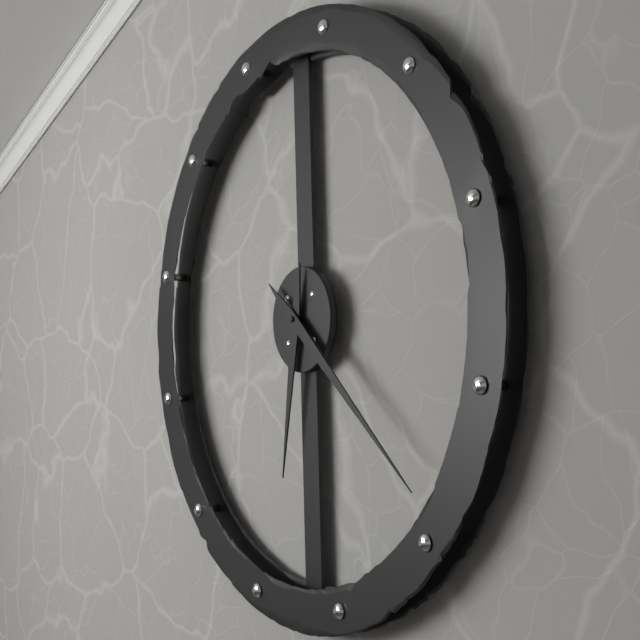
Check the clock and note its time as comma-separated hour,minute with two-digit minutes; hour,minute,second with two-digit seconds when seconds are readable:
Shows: 6,22
